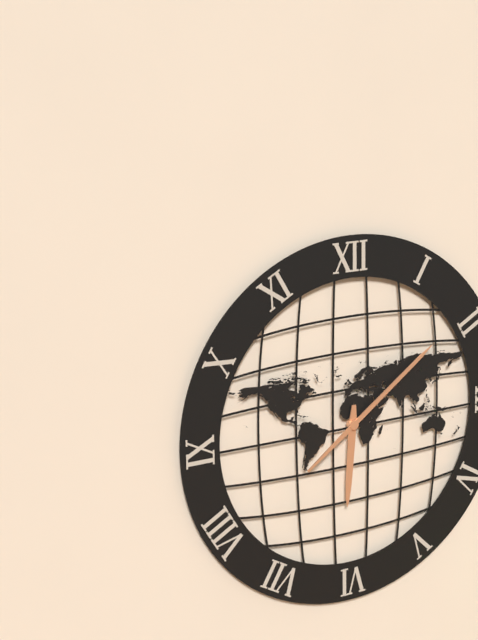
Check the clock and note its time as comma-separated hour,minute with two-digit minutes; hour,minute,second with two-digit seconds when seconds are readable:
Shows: 6,09
